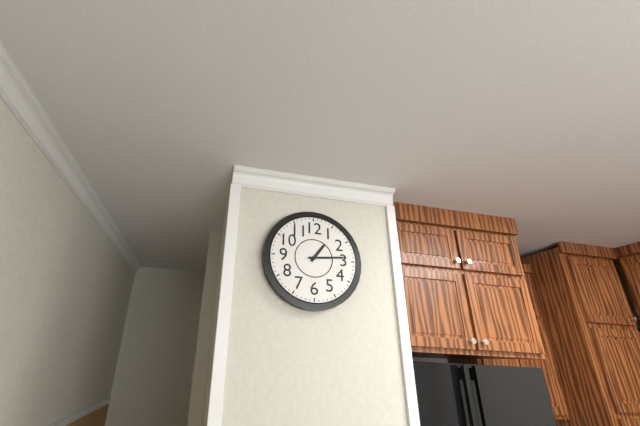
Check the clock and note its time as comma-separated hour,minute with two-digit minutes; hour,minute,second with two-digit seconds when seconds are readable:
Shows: 1,14
